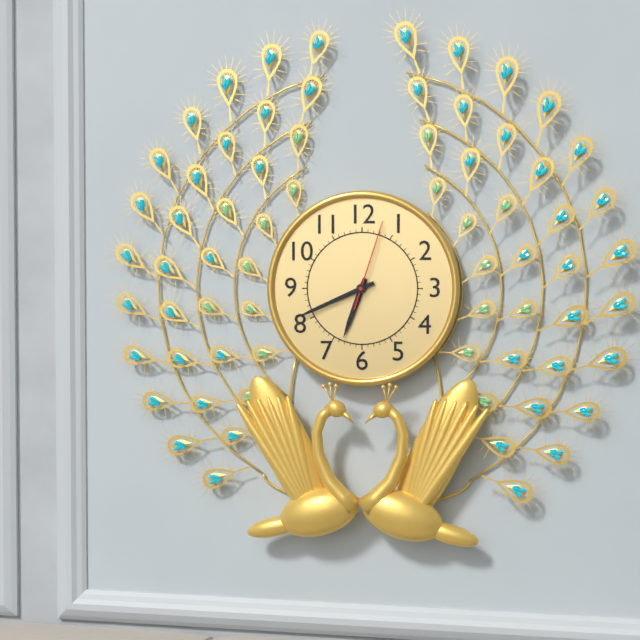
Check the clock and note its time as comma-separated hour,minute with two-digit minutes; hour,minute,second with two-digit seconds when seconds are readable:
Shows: 6,41,03
